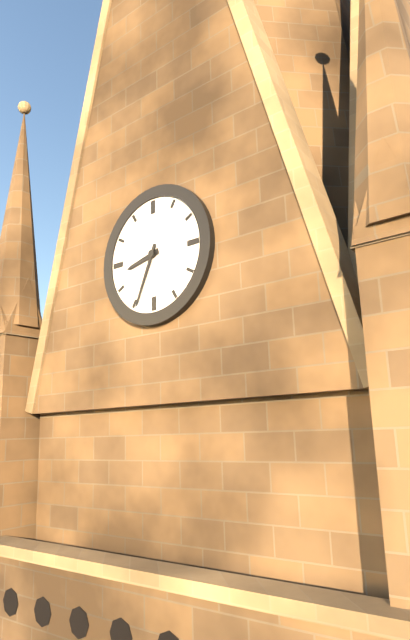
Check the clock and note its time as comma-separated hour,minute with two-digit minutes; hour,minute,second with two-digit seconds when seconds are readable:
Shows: 8,34
